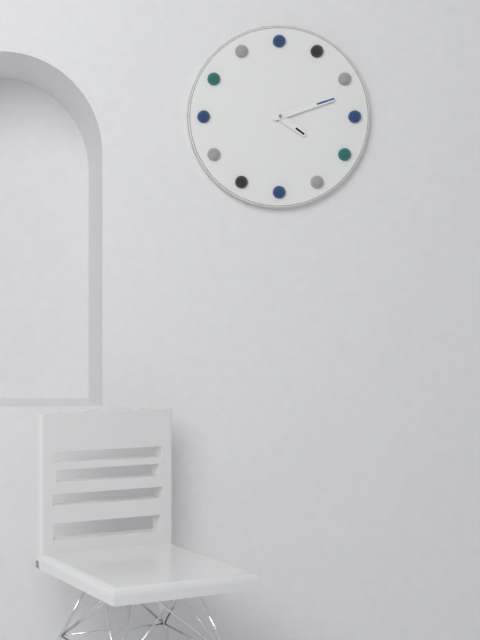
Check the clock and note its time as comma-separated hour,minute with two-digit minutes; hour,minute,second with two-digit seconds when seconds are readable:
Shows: 4,12
